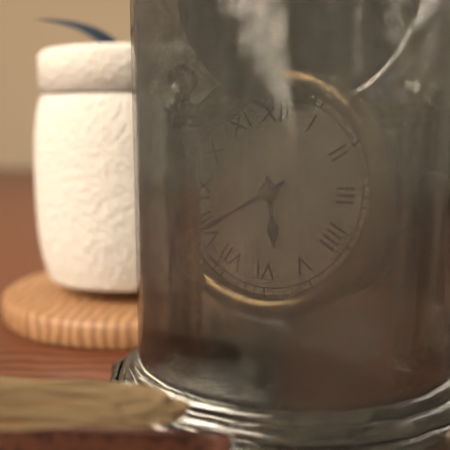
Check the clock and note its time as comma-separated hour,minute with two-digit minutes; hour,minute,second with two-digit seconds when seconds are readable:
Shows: 5,40
